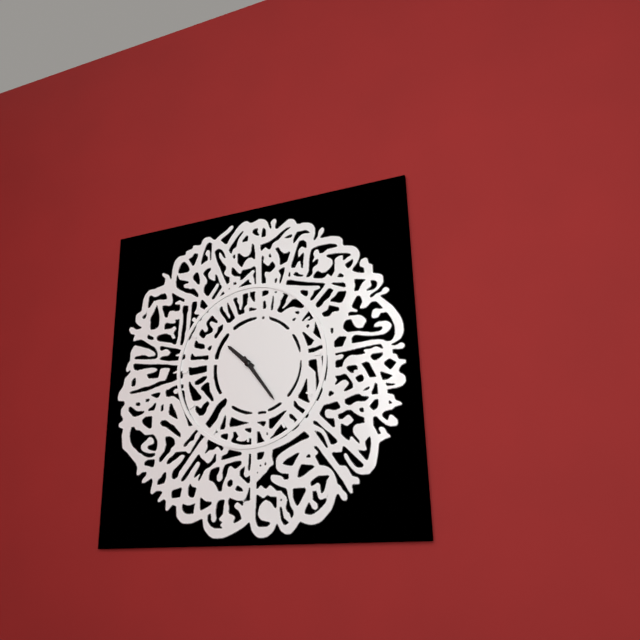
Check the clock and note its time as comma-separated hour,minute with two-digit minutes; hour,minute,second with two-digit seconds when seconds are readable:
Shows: 10,24
